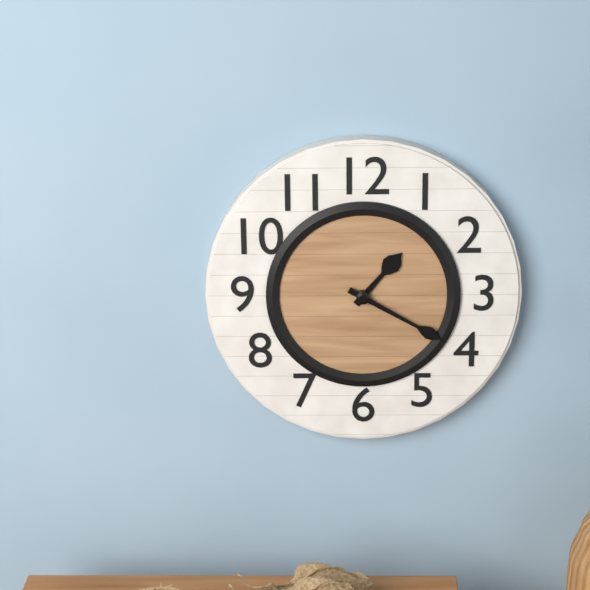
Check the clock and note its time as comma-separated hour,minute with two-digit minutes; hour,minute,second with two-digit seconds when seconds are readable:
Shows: 1,20
